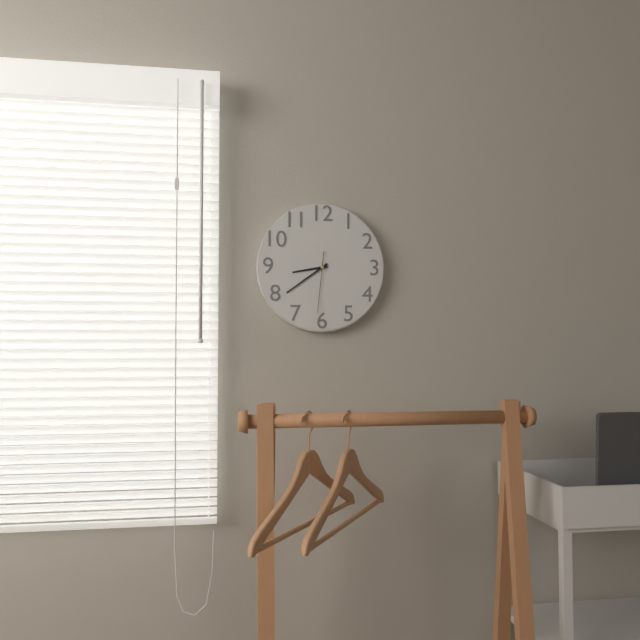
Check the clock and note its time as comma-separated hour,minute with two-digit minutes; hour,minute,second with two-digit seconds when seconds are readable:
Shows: 8,39,31
